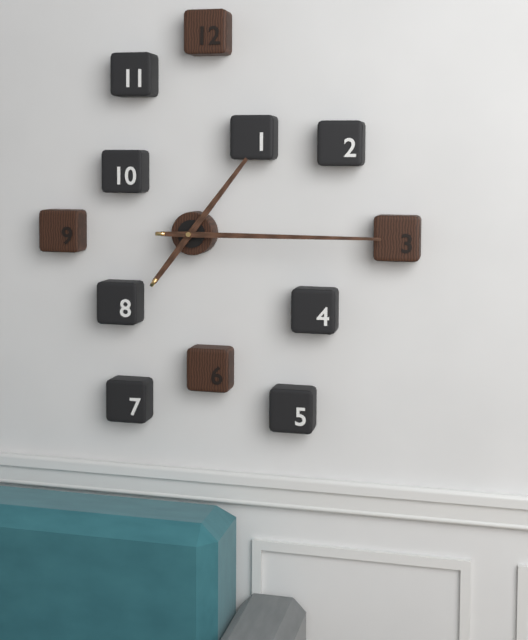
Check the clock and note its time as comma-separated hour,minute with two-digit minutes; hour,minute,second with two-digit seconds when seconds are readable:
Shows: 1,15
